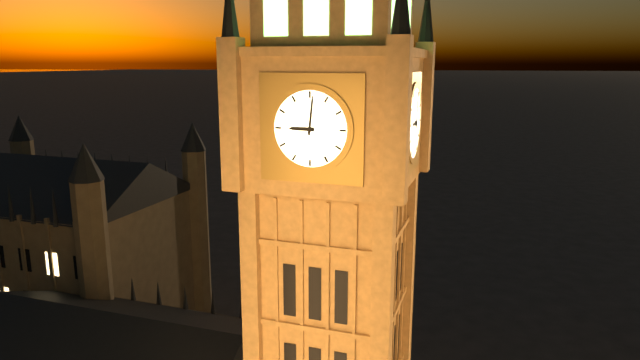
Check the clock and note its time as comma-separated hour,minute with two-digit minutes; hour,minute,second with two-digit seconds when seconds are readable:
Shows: 9,01
